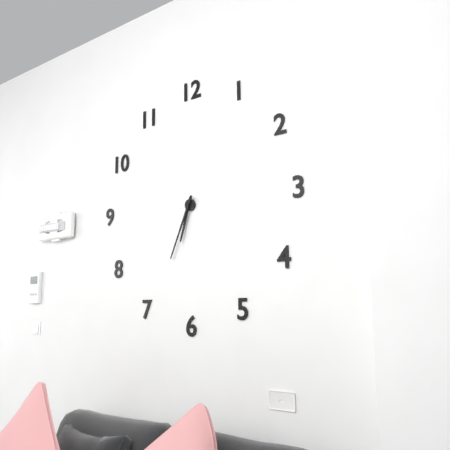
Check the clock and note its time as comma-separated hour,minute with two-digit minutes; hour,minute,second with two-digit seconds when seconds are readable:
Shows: 6,34
